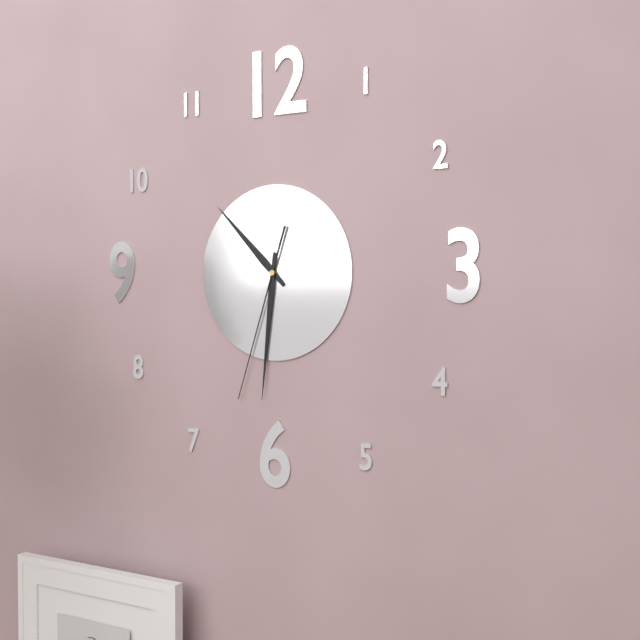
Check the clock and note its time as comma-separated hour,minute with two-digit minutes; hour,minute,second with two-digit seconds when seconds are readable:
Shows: 10,31,33
